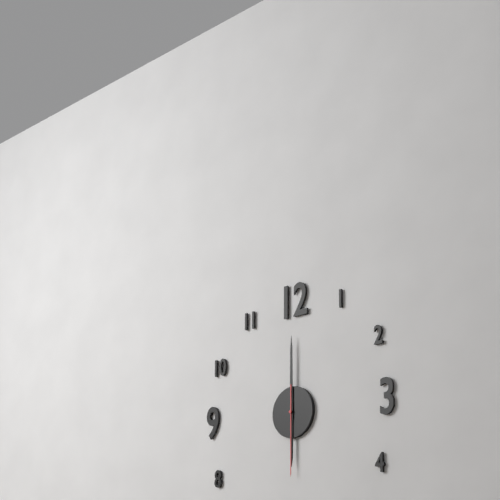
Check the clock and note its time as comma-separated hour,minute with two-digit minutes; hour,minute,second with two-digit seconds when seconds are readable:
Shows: 6,00,30
